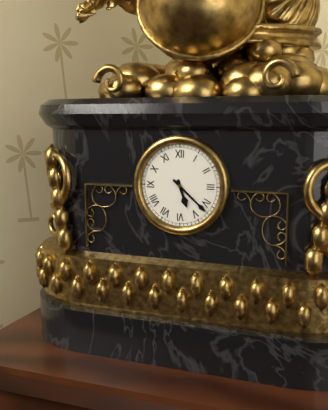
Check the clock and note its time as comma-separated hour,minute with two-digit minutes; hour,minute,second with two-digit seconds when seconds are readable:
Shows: 5,22
